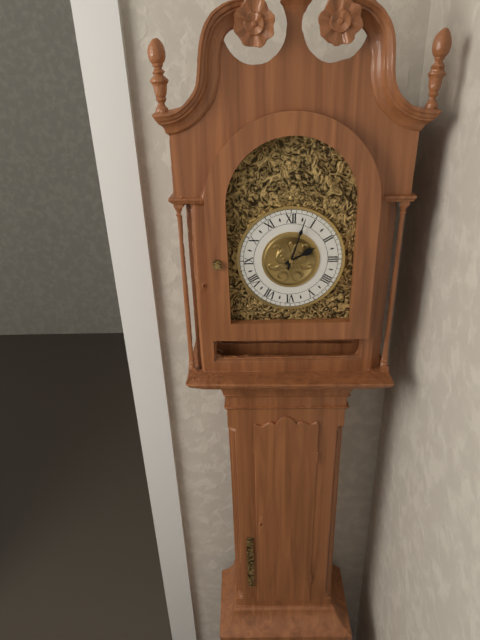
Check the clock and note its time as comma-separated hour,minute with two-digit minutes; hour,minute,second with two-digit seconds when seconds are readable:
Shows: 2,03
